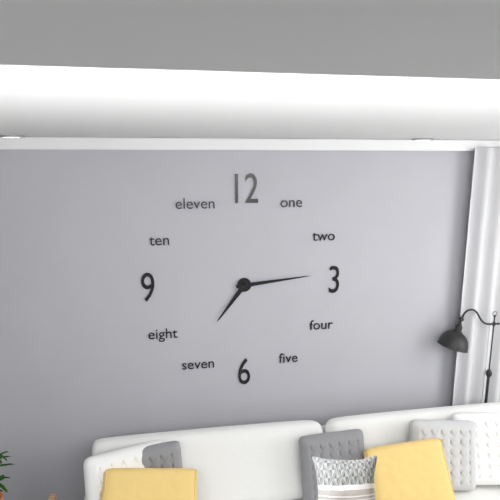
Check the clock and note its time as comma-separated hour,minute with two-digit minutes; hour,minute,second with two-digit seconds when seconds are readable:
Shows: 7,14
